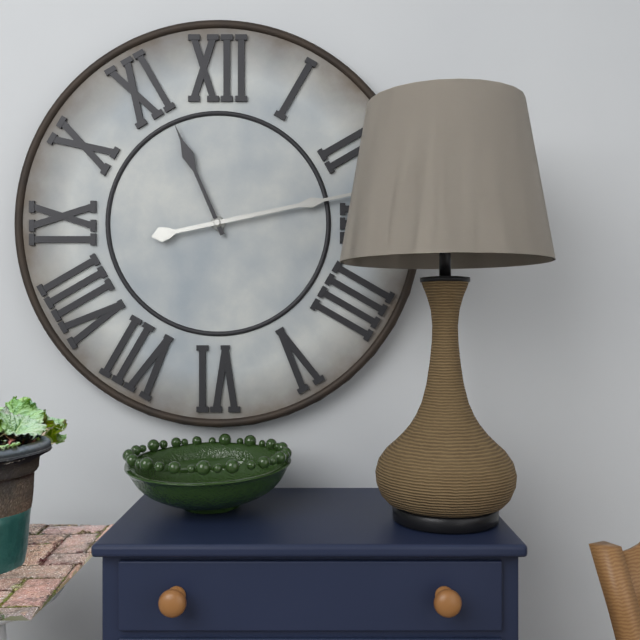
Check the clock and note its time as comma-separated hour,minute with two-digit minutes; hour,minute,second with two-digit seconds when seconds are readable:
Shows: 11,13
